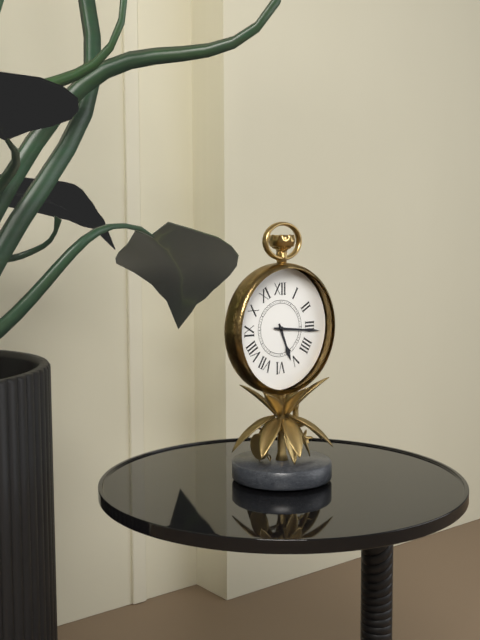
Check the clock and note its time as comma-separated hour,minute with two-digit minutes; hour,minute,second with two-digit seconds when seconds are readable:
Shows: 5,16
